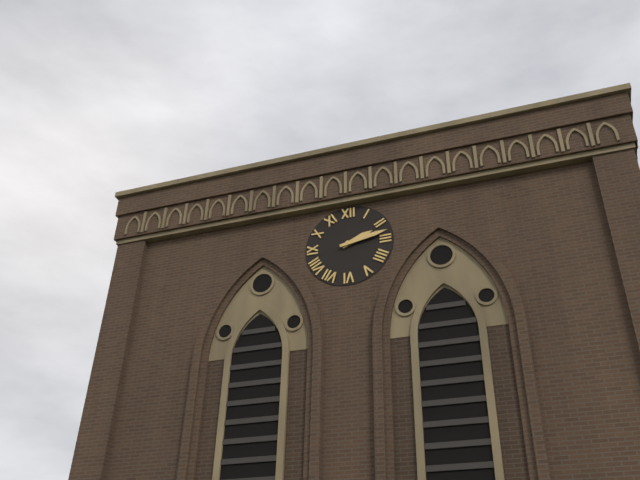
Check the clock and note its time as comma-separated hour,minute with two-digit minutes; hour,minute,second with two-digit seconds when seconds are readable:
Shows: 2,13
